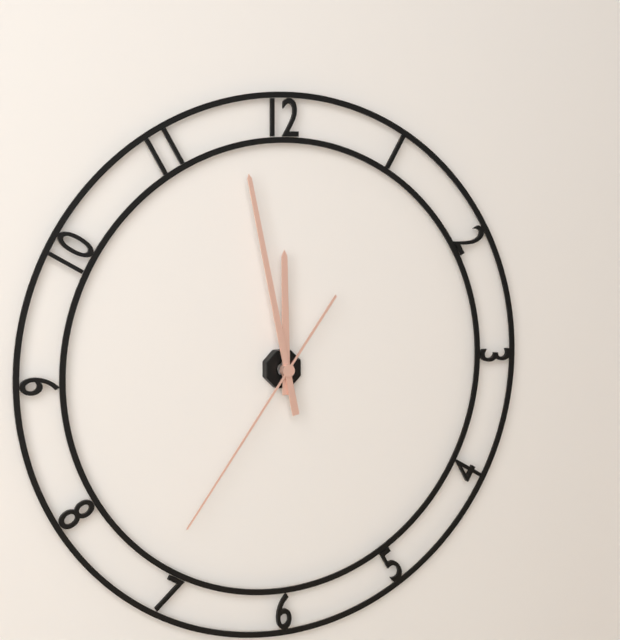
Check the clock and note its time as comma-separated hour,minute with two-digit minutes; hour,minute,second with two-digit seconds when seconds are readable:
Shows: 11,58,36
